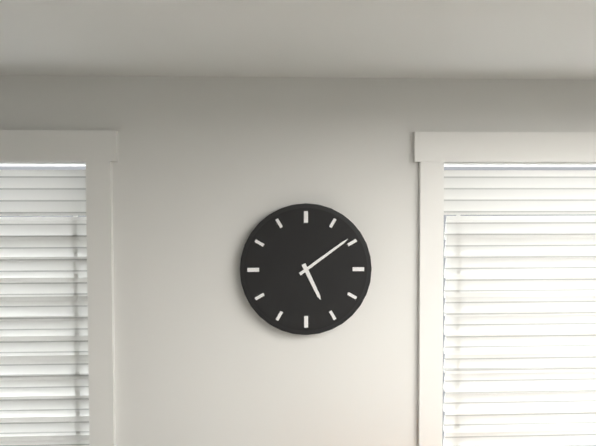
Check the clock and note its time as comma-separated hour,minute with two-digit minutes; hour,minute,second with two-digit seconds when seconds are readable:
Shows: 5,09
